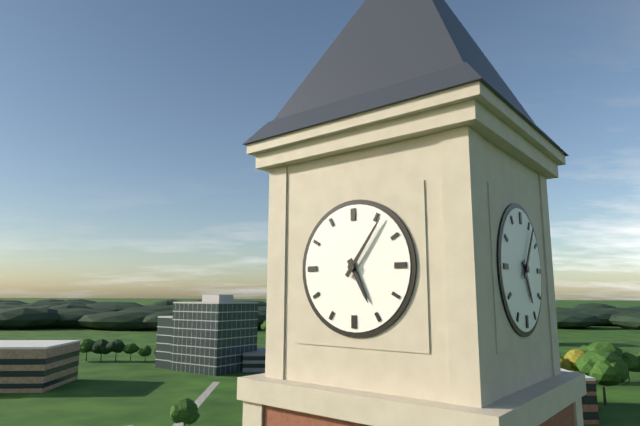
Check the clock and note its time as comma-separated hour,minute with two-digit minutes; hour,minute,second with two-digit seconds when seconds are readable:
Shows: 5,06
